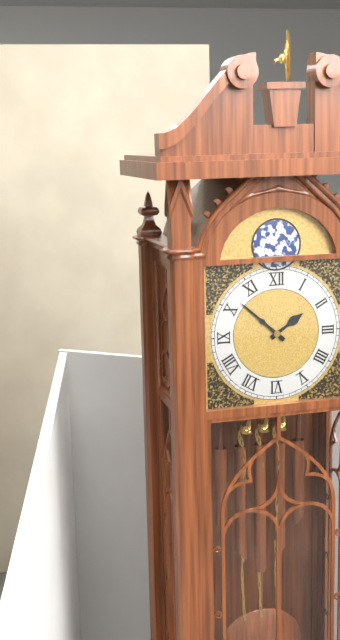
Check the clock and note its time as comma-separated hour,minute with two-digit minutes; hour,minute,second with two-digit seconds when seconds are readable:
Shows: 1,52
